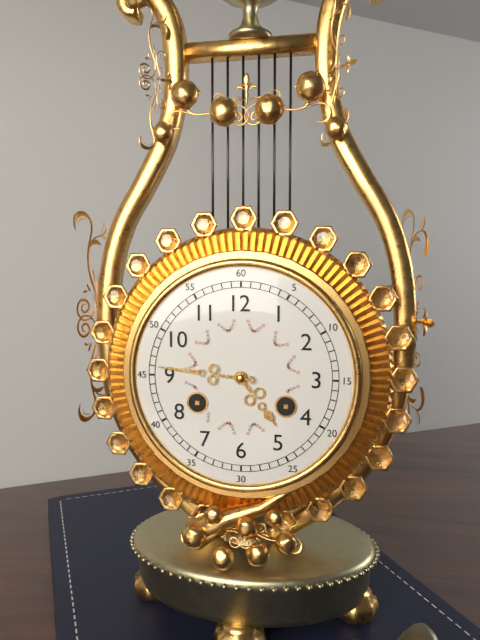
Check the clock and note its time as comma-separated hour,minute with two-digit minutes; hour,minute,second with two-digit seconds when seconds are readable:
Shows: 4,46
